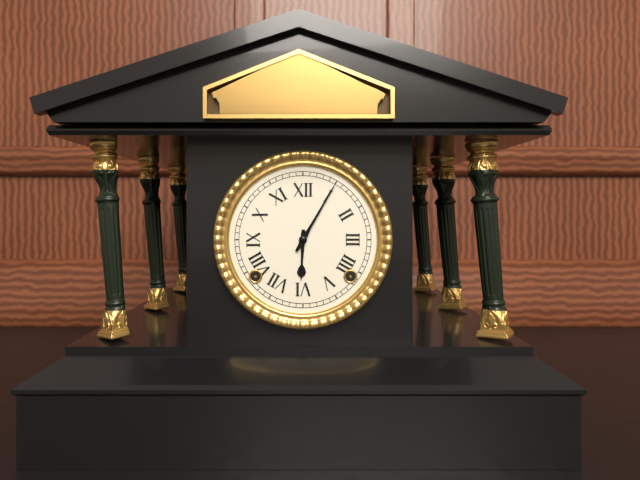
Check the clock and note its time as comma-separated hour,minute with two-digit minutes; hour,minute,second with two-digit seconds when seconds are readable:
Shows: 6,05
